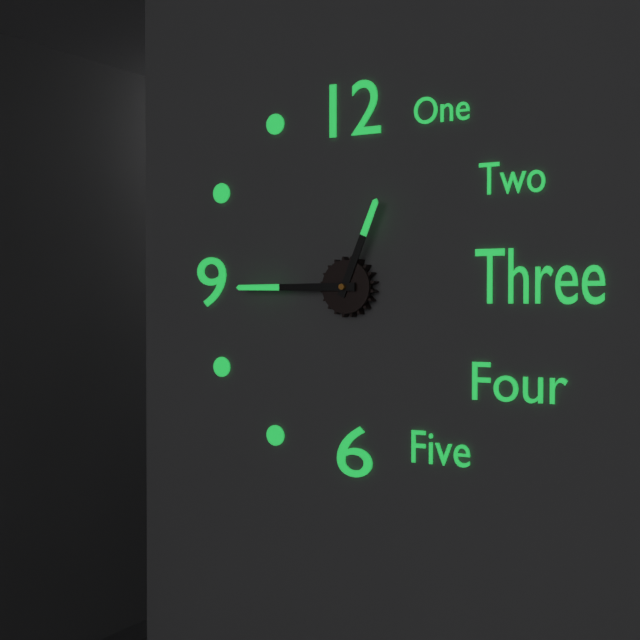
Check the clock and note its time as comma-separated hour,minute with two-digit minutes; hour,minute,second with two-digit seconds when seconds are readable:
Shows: 12,45
